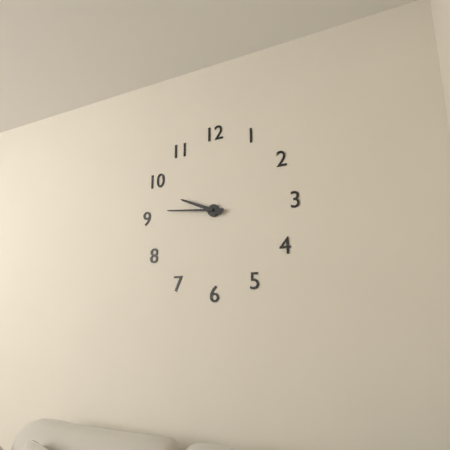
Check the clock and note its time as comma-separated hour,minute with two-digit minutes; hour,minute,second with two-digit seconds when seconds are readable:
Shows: 9,46
